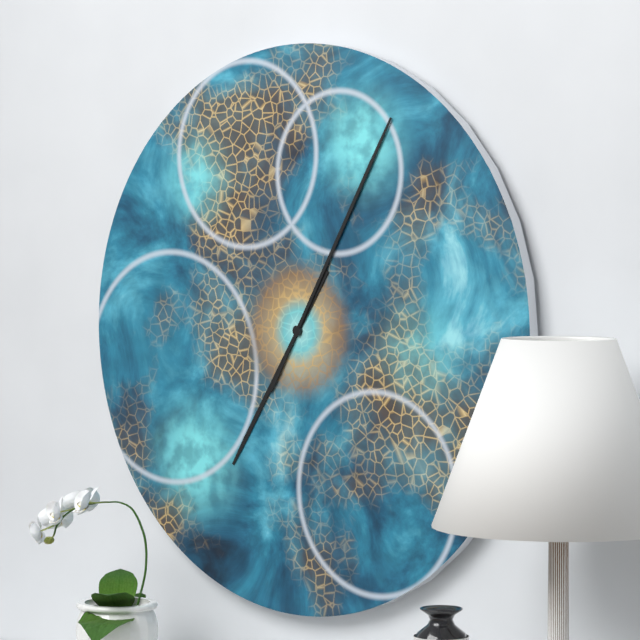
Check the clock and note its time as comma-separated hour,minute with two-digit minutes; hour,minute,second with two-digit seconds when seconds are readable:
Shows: 7,05
